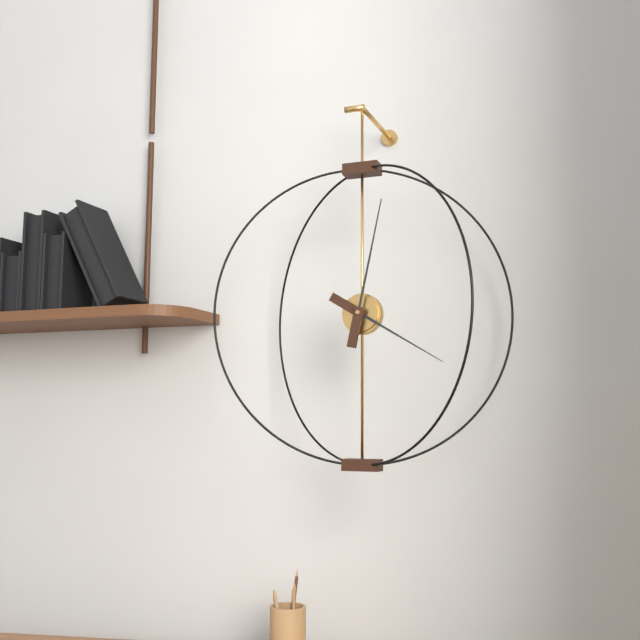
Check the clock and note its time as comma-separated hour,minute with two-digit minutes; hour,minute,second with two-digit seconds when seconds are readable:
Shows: 4,02
